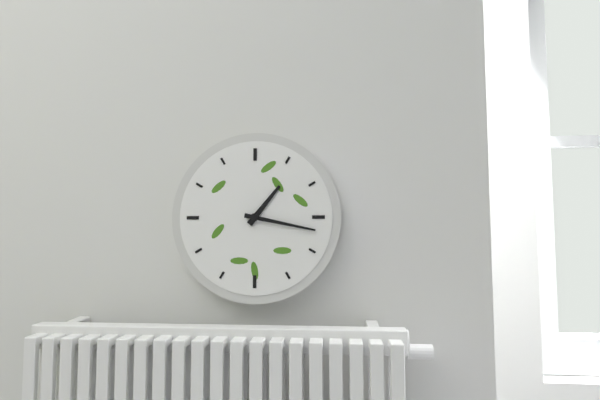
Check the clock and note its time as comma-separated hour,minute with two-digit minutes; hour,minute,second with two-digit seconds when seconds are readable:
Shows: 1,17
